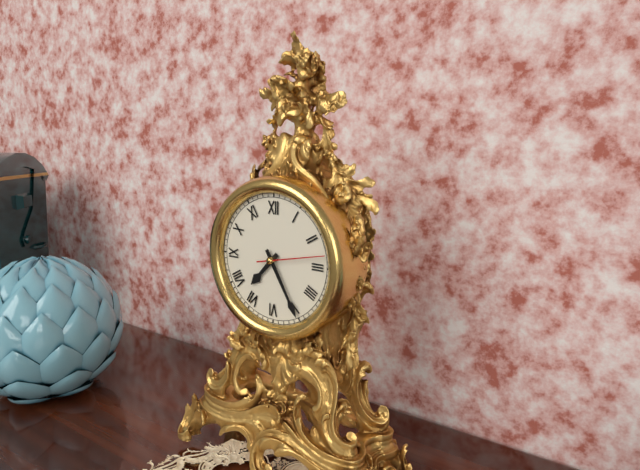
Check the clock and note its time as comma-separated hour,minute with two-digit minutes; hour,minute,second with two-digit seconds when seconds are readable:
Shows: 7,25,13
